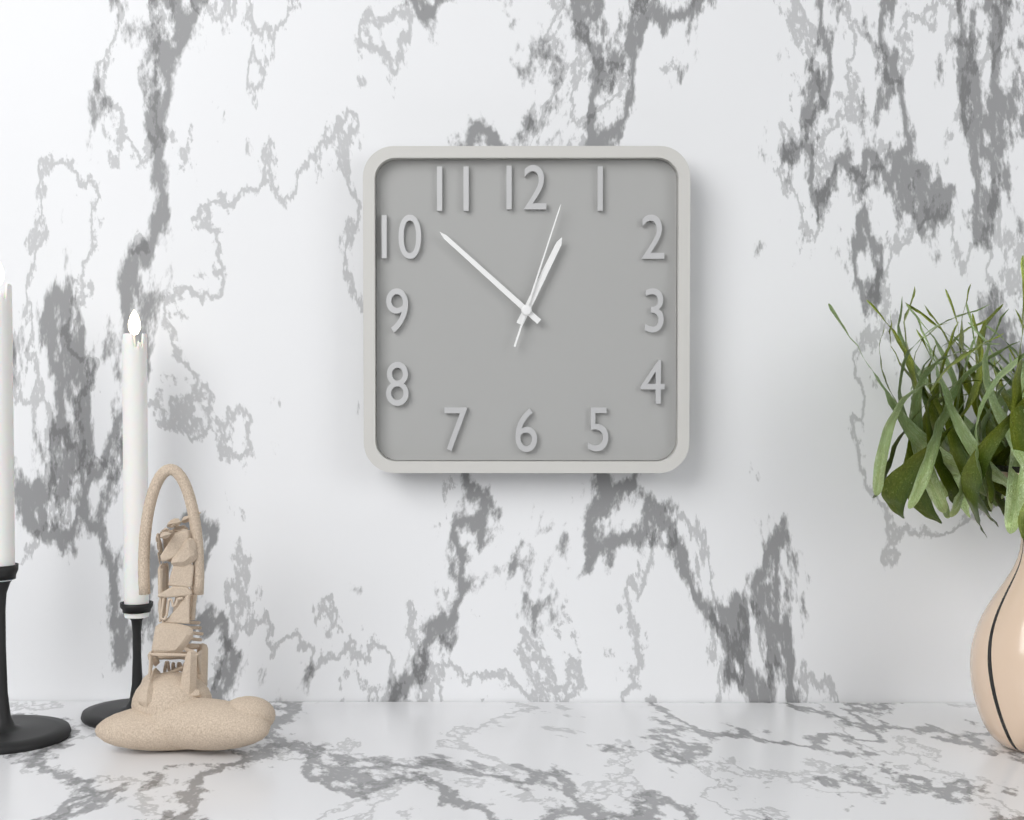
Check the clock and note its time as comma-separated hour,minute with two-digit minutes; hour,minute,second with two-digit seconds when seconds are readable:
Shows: 12,52,03
